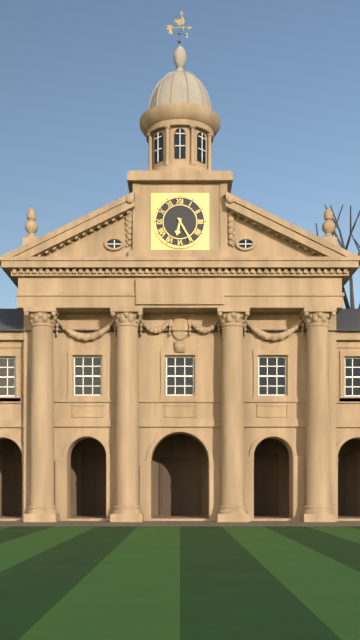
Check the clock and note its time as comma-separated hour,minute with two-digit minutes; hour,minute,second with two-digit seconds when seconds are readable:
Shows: 6,25
